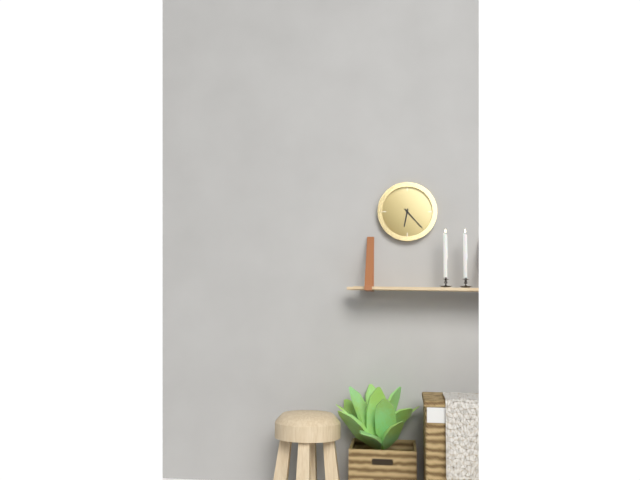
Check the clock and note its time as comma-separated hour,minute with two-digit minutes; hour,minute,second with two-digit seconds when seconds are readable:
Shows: 6,23
